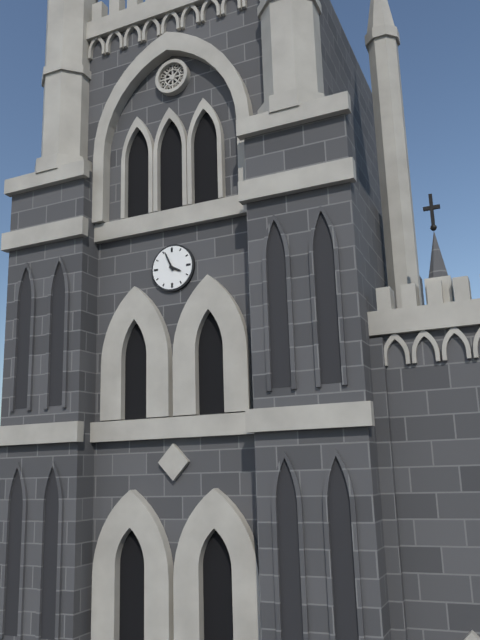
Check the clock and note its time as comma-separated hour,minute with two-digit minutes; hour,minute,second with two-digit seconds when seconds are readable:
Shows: 3,56
